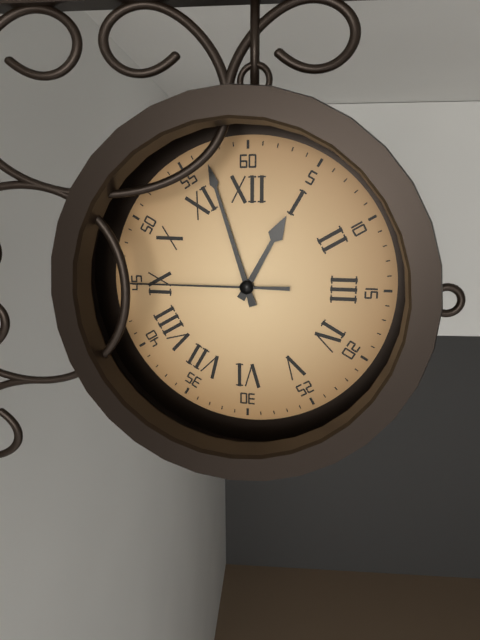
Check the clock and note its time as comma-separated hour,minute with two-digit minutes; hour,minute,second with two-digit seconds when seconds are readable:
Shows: 12,57,45
